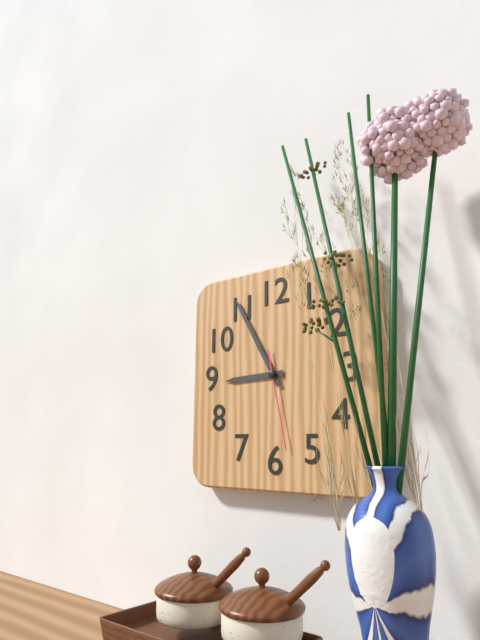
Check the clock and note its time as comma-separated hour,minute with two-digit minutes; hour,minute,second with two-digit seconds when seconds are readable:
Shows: 8,55,28
